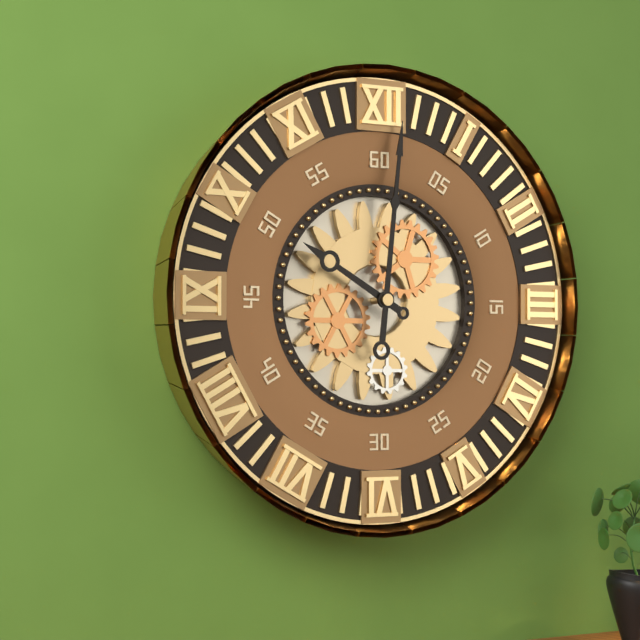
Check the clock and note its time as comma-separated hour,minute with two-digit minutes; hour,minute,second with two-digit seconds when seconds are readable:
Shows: 10,01
